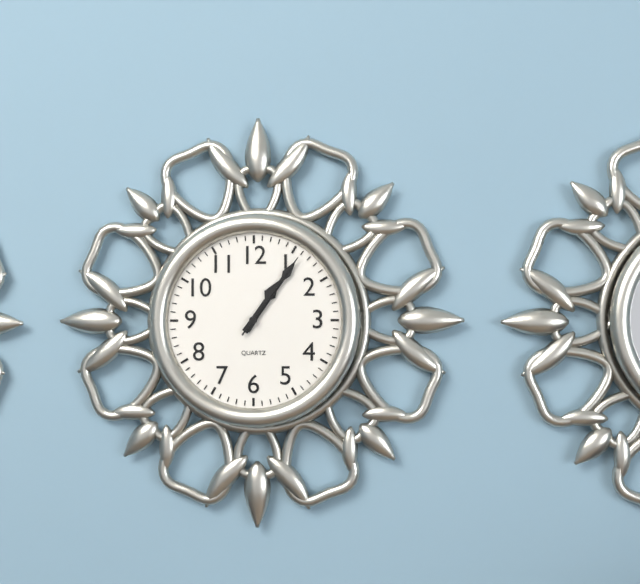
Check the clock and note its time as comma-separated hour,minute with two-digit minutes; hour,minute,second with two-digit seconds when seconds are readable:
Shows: 1,06,06
